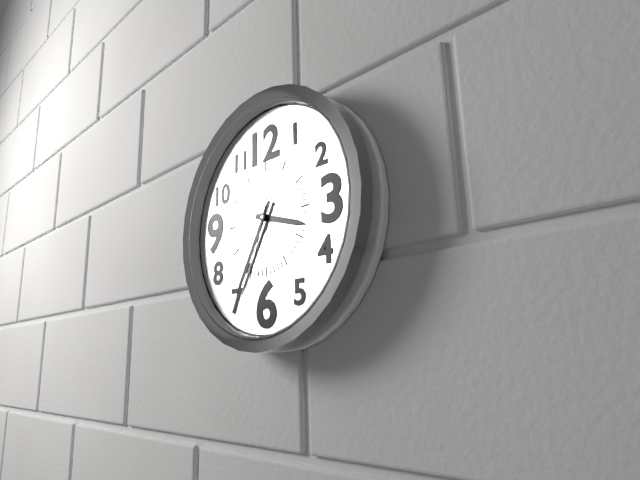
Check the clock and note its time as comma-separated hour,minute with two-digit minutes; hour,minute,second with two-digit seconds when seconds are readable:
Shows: 3,35,33
